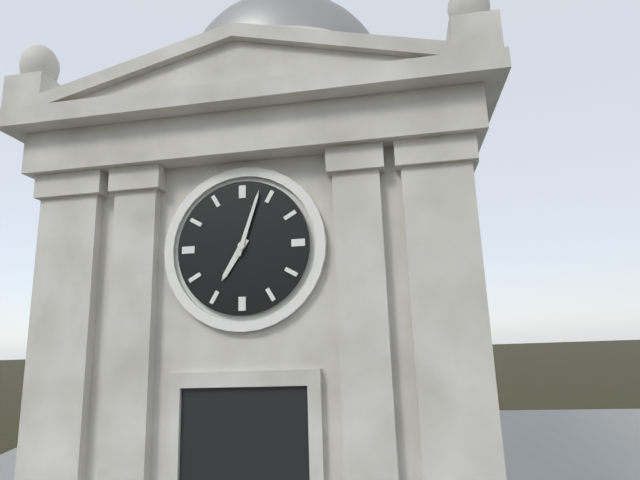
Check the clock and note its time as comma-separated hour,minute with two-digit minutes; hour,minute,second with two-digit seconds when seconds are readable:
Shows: 7,03
